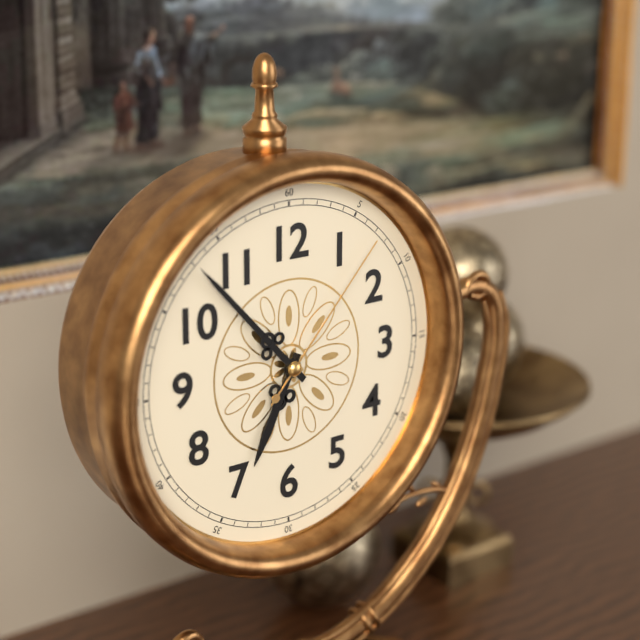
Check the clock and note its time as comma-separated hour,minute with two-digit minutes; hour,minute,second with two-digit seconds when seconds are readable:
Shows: 6,53,07
